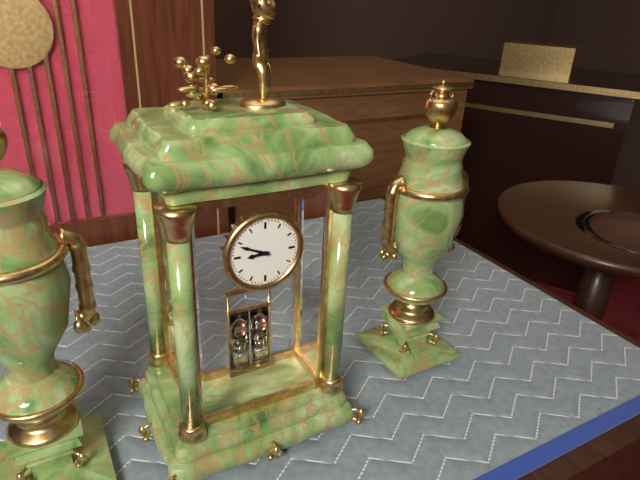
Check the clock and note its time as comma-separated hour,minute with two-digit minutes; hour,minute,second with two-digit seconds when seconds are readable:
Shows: 8,49
